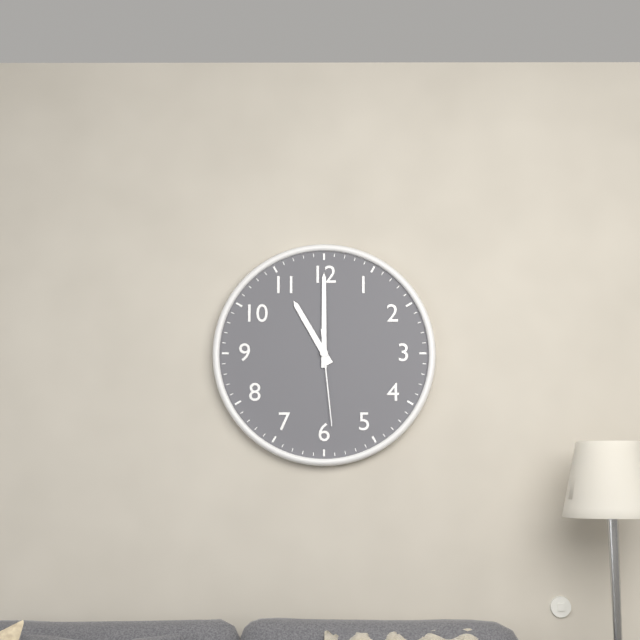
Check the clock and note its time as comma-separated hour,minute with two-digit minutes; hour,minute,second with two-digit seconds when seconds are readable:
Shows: 11,00,29
